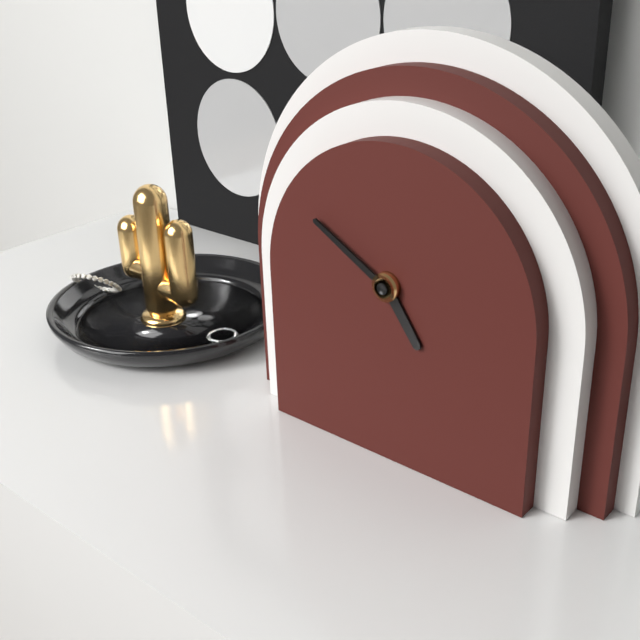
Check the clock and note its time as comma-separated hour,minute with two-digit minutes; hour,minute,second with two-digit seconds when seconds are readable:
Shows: 4,50
